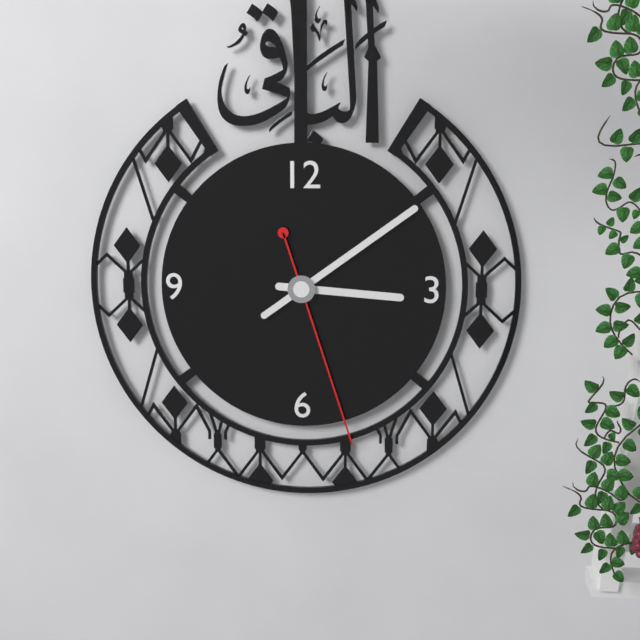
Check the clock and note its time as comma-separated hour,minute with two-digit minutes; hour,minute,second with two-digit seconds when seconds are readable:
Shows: 3,09,27
